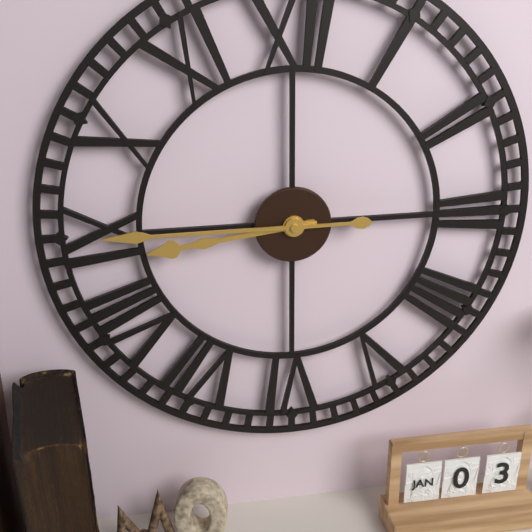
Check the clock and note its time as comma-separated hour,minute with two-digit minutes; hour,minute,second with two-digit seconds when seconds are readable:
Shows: 8,45
